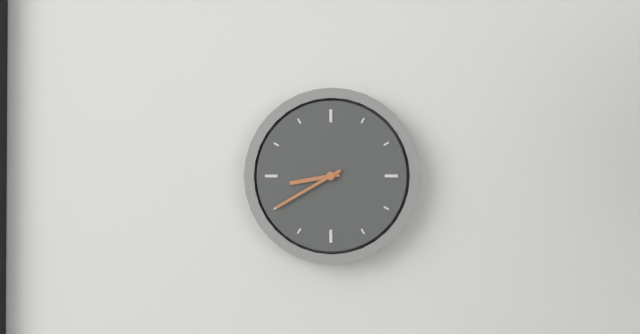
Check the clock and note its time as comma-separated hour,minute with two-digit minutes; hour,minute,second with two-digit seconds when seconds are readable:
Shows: 8,40
